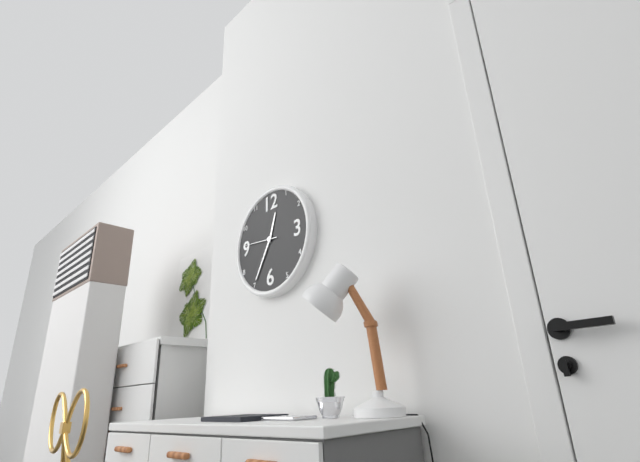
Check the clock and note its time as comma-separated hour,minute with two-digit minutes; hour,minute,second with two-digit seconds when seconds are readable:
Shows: 12,35
